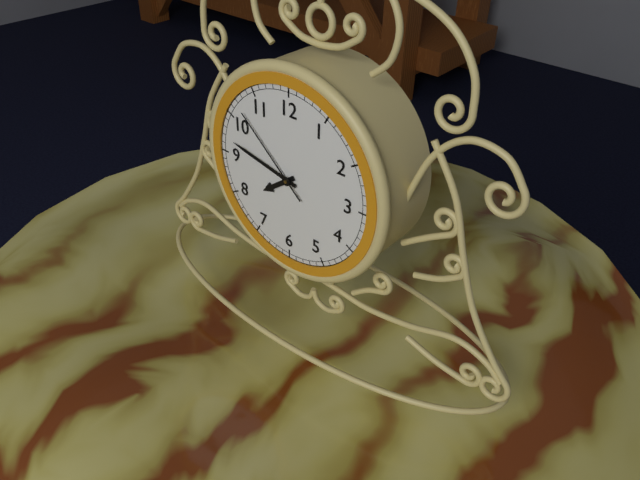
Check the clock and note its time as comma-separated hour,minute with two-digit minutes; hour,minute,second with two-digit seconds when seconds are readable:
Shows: 7,47,52
